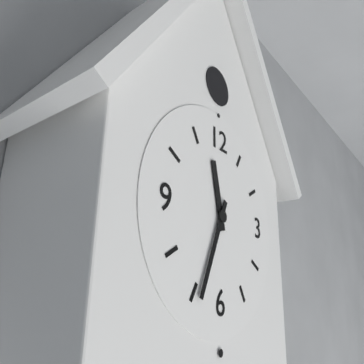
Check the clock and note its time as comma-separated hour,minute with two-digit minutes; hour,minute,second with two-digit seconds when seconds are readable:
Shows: 11,34
